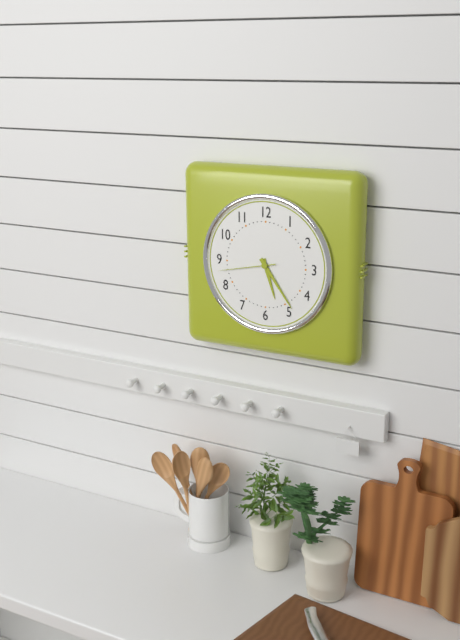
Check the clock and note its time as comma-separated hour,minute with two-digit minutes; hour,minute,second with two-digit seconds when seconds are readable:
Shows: 5,24,43
